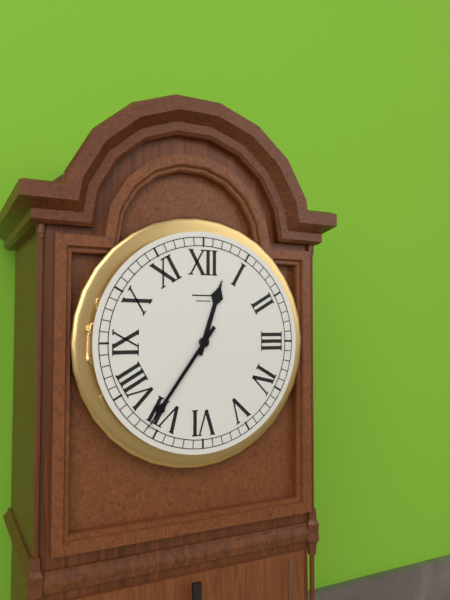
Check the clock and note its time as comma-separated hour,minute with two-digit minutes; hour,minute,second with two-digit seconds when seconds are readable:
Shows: 12,36
